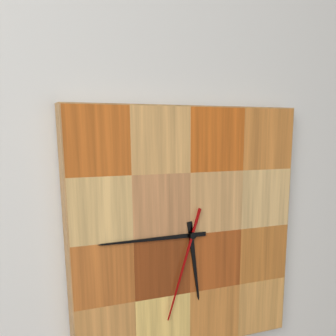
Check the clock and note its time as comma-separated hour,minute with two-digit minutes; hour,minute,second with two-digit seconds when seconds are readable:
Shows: 5,45,33
